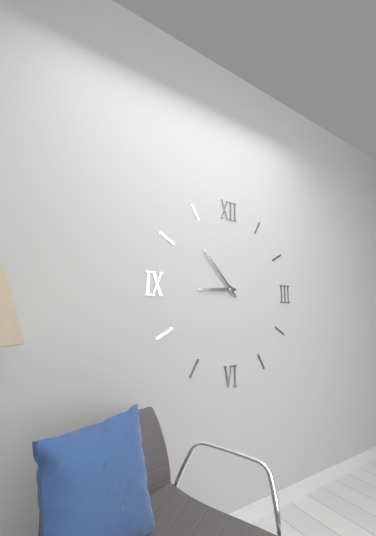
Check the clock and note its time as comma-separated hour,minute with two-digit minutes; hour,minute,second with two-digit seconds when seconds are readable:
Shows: 8,53
